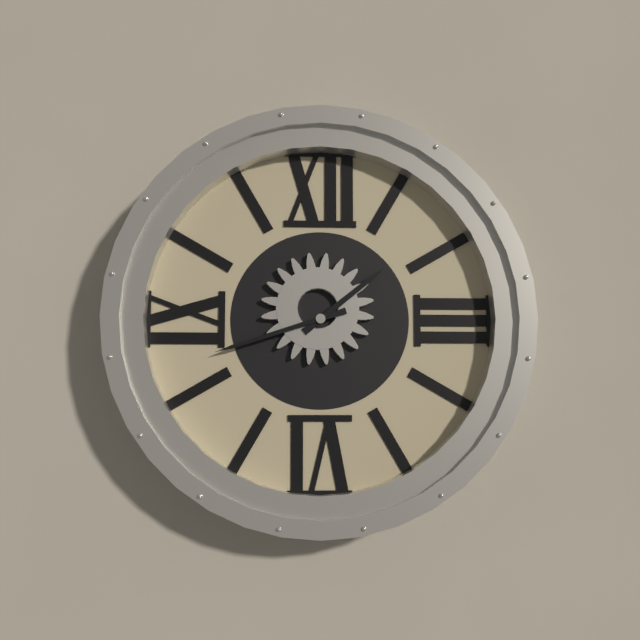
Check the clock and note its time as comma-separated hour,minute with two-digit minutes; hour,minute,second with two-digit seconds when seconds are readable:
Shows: 1,42
